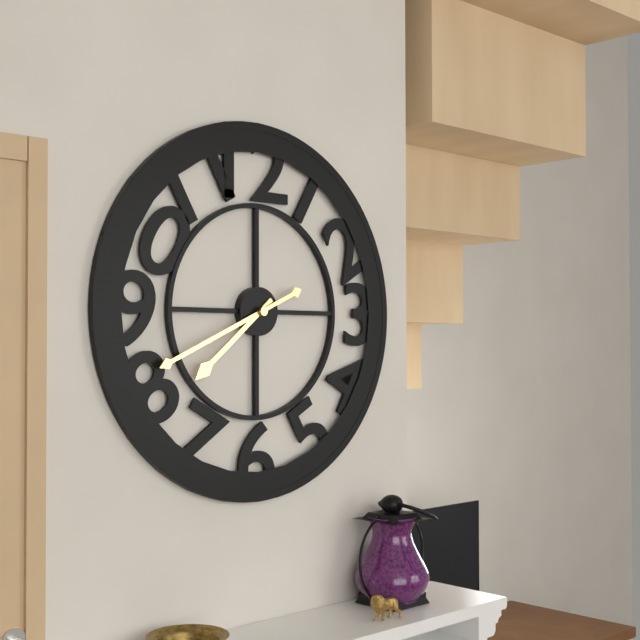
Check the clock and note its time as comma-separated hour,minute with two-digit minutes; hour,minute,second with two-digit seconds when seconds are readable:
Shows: 7,41
